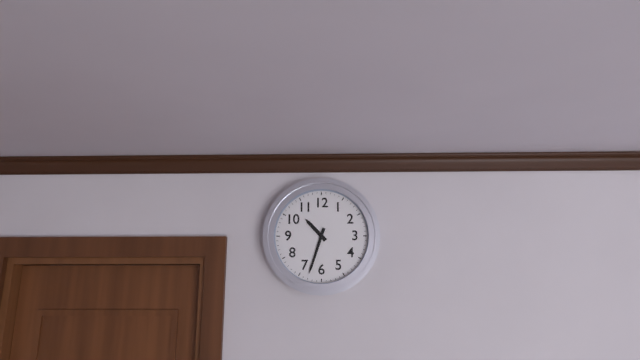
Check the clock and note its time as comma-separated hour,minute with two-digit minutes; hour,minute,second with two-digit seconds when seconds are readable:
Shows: 10,33
